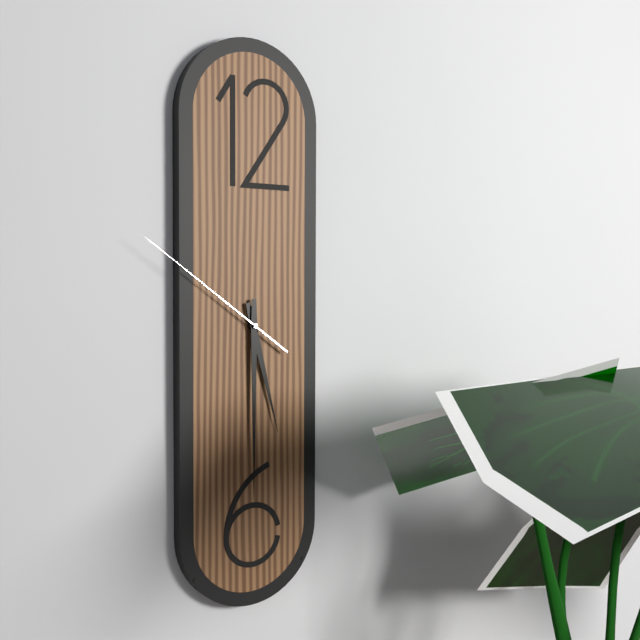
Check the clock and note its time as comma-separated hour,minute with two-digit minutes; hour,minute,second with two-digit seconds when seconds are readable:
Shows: 5,30,51
